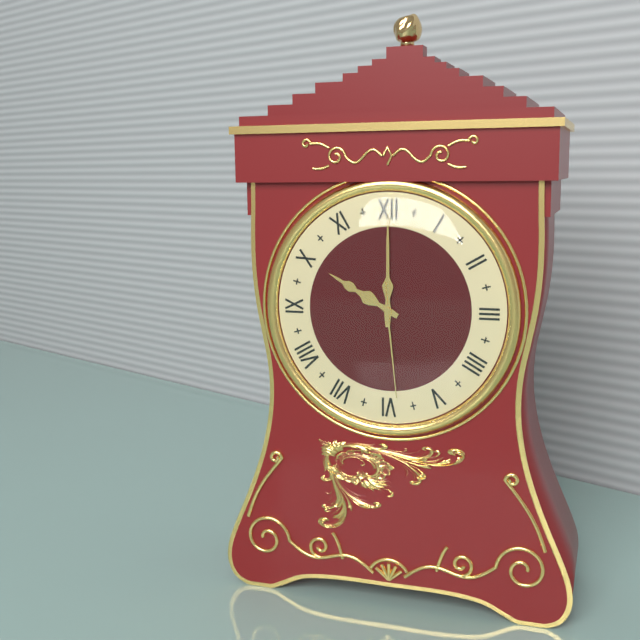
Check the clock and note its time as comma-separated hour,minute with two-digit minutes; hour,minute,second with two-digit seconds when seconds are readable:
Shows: 10,00,29
